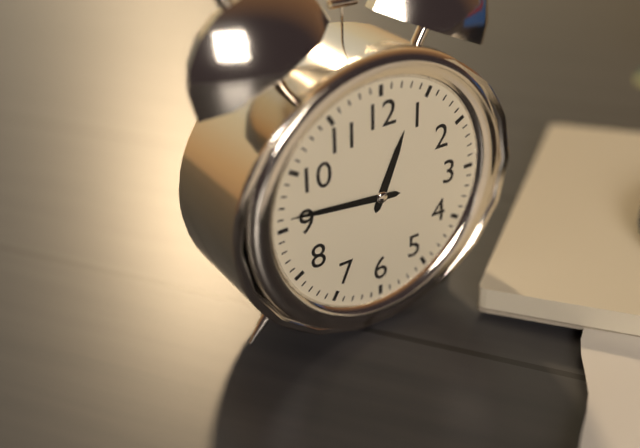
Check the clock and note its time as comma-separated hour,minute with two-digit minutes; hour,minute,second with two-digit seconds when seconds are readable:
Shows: 12,46
